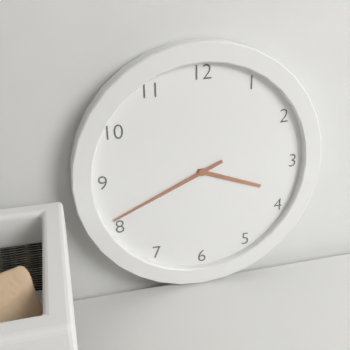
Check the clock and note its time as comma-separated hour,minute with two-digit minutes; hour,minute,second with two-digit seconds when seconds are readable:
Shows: 3,41
